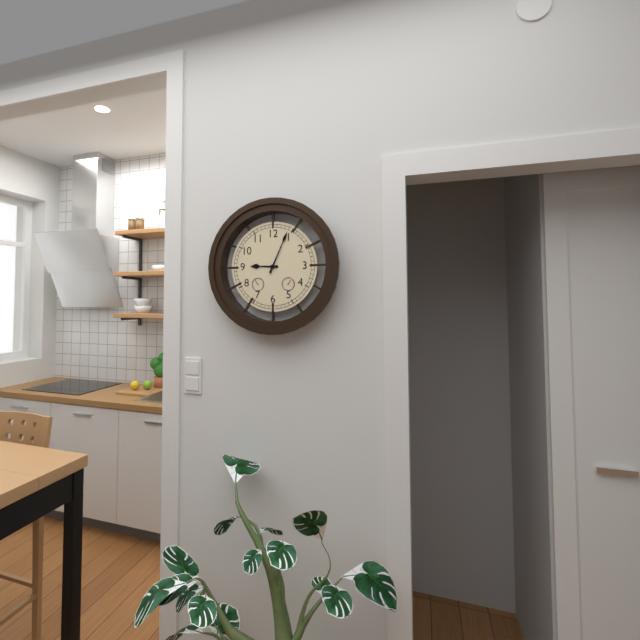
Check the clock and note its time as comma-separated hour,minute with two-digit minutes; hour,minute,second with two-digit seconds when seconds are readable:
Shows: 9,04
